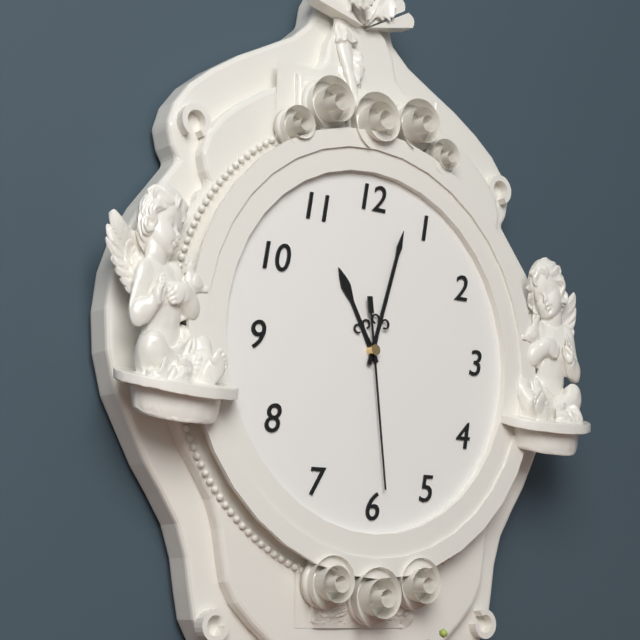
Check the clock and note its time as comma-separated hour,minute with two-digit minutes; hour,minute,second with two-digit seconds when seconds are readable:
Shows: 11,03,29
